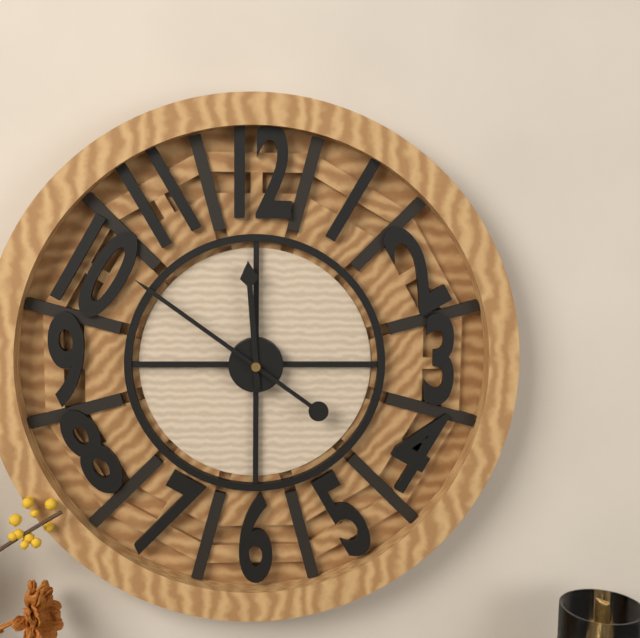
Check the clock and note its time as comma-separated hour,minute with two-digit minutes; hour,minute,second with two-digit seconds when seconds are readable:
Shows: 11,51
